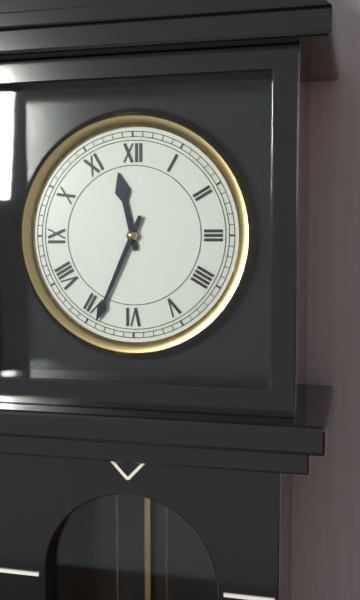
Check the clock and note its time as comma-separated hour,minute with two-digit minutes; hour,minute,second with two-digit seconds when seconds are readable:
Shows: 11,34
